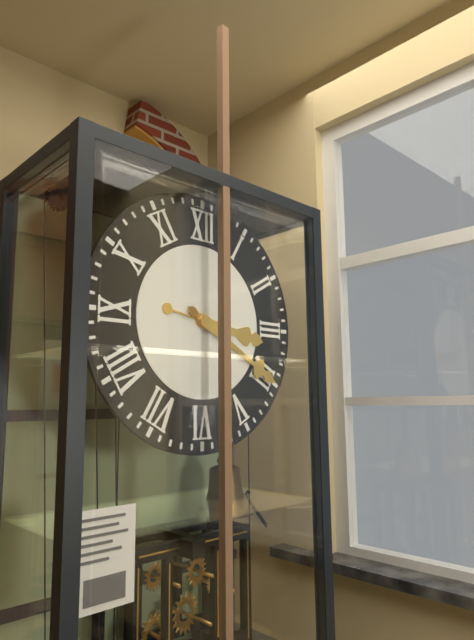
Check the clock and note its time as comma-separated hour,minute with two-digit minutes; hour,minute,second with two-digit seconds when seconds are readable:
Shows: 3,20
